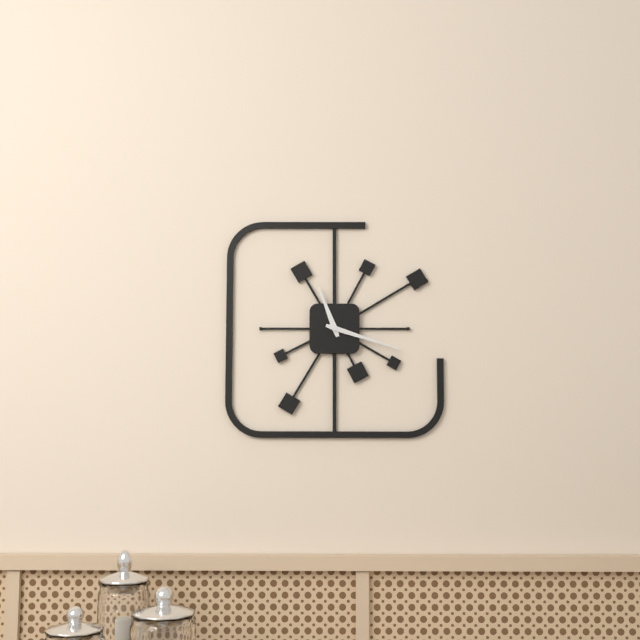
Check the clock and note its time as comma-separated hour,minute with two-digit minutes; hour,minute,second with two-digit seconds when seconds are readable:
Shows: 11,18
